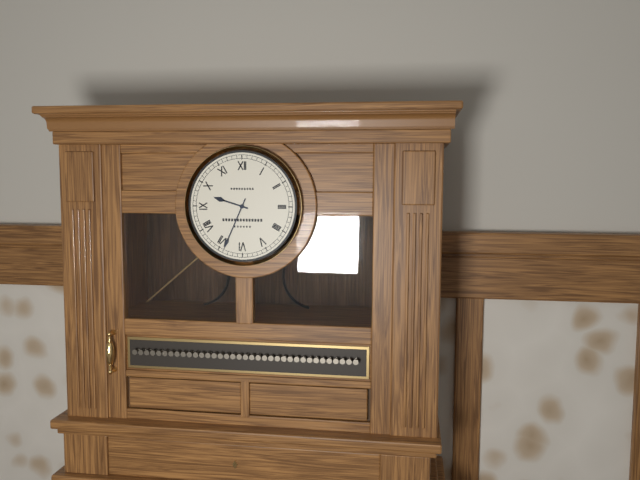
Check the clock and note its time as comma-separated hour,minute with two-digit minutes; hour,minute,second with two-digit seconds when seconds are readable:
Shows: 9,34
